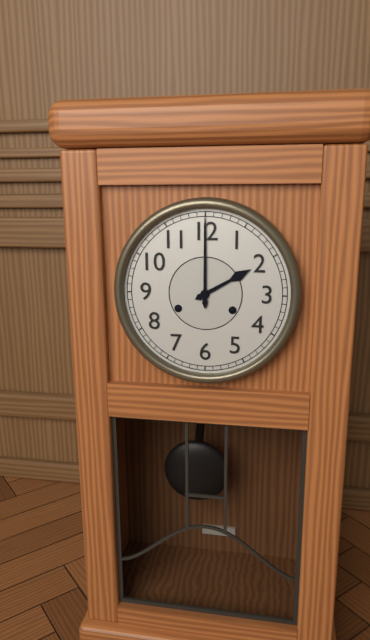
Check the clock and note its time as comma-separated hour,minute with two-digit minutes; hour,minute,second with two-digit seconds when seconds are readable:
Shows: 2,00
